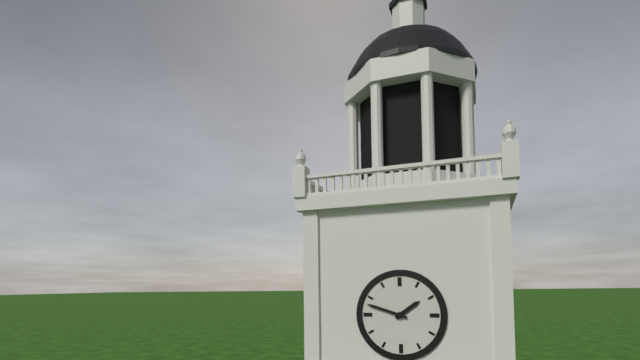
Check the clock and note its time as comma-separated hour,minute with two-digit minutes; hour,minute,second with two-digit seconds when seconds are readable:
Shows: 1,48
